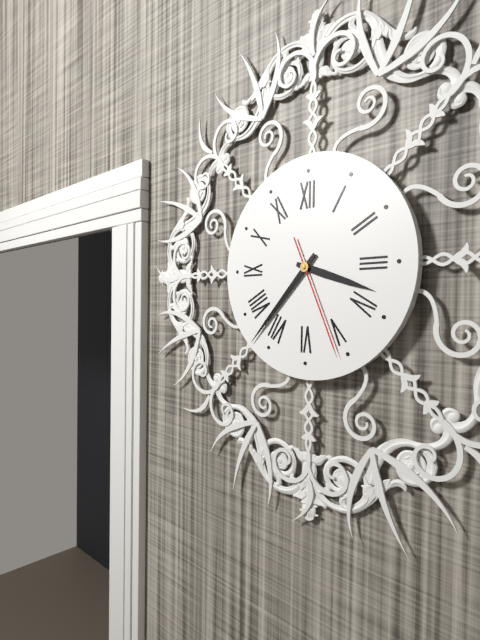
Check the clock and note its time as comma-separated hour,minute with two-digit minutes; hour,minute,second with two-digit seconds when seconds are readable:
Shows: 3,37,26
